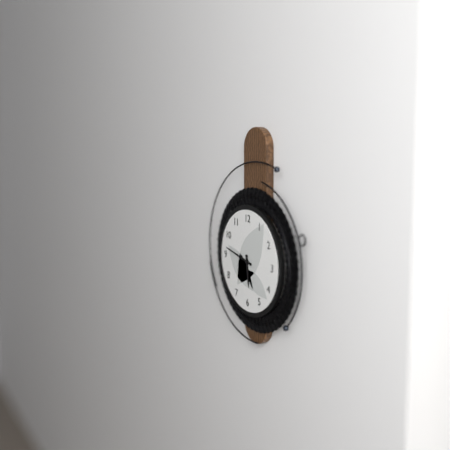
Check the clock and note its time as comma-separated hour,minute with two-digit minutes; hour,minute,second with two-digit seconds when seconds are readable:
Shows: 5,47
